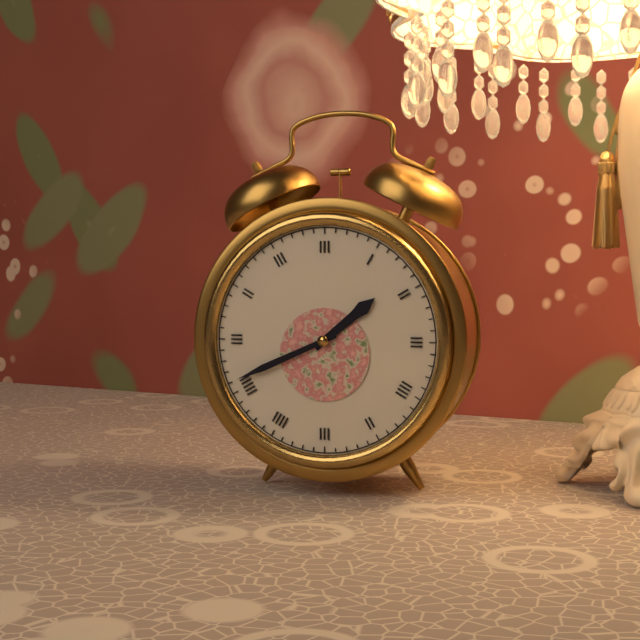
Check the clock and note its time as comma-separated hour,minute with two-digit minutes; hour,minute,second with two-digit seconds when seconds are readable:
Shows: 1,41
